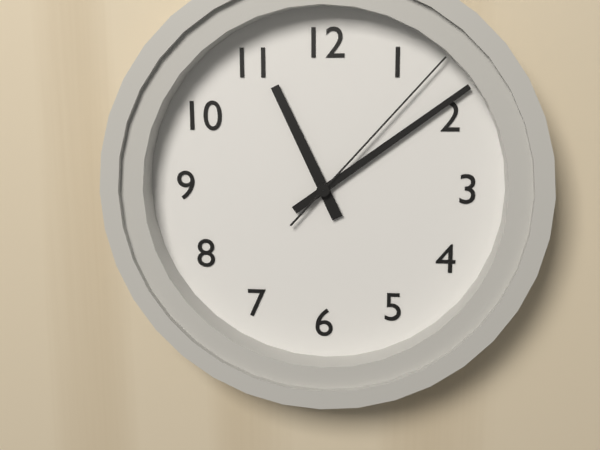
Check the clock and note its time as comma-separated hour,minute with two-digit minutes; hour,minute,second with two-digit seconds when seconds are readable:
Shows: 11,09,07
